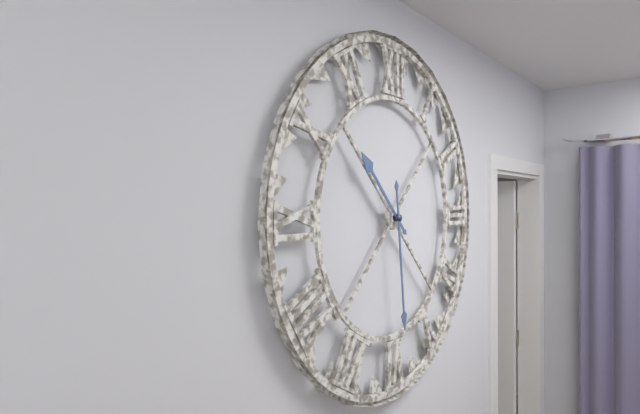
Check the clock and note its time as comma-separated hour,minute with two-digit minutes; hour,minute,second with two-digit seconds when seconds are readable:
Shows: 10,29
